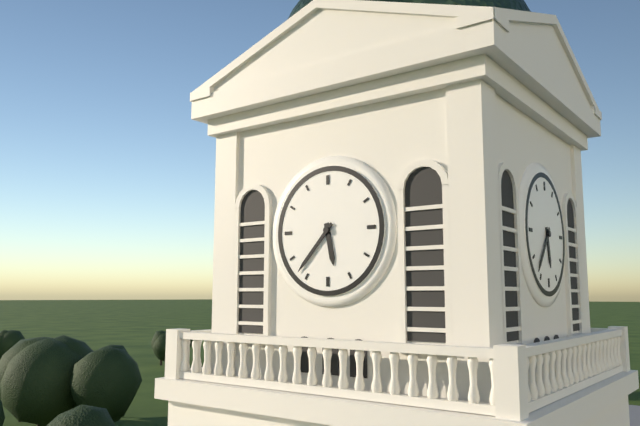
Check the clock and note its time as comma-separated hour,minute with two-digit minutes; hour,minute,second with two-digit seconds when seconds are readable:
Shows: 5,37
